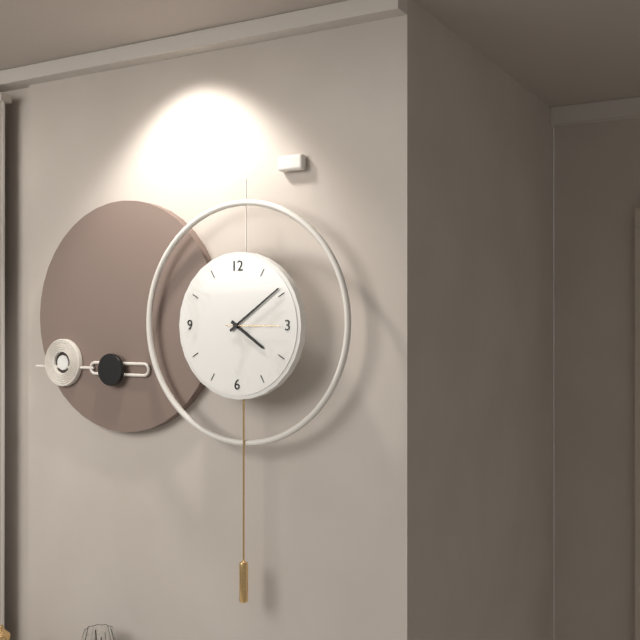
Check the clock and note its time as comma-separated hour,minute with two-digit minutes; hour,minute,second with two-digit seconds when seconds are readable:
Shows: 4,09,15
